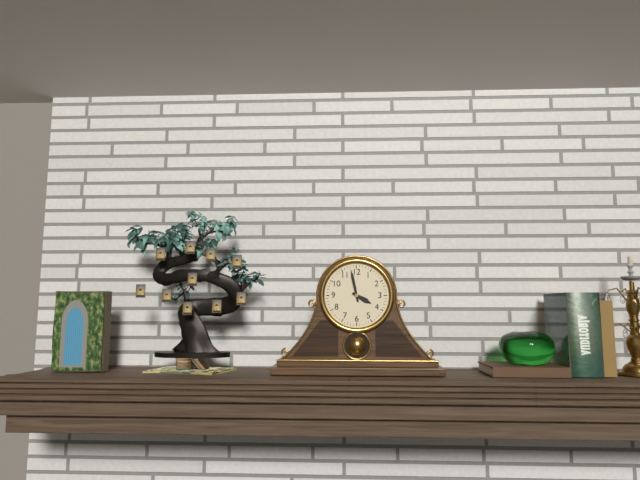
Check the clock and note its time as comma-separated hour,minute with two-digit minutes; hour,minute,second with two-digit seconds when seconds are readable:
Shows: 3,58
